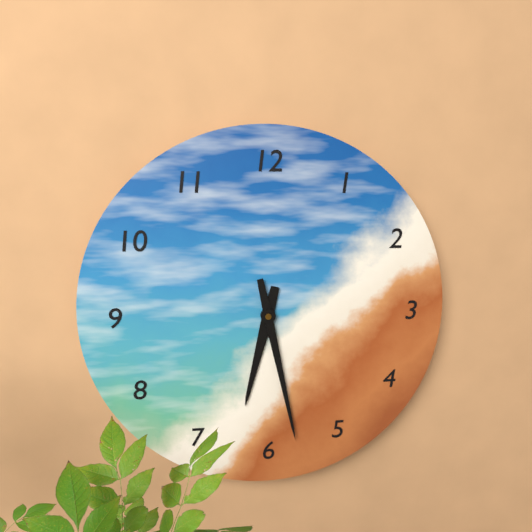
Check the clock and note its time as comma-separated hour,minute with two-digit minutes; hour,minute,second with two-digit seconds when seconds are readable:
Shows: 6,28
